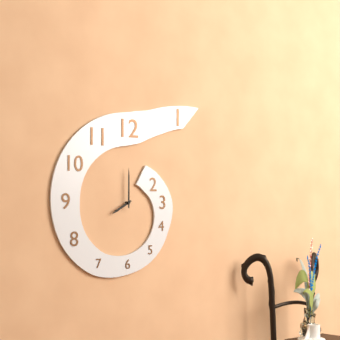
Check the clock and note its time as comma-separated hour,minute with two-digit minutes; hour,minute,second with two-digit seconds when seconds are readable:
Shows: 8,00
